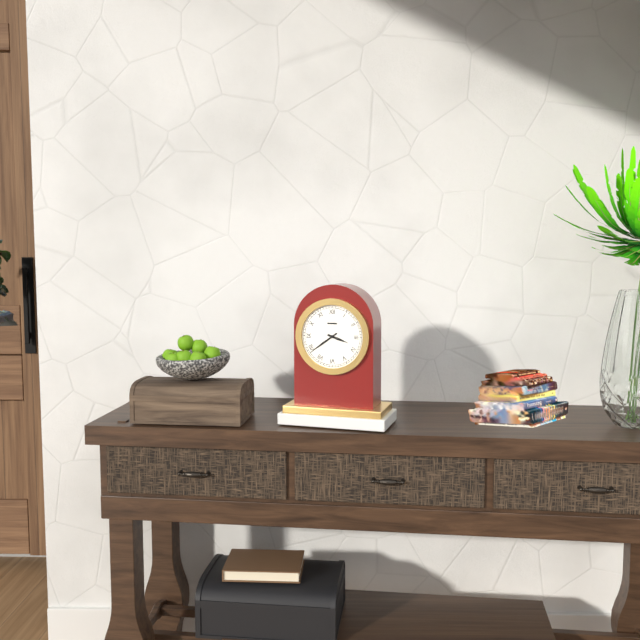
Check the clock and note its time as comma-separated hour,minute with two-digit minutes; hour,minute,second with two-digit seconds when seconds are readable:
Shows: 3,39
